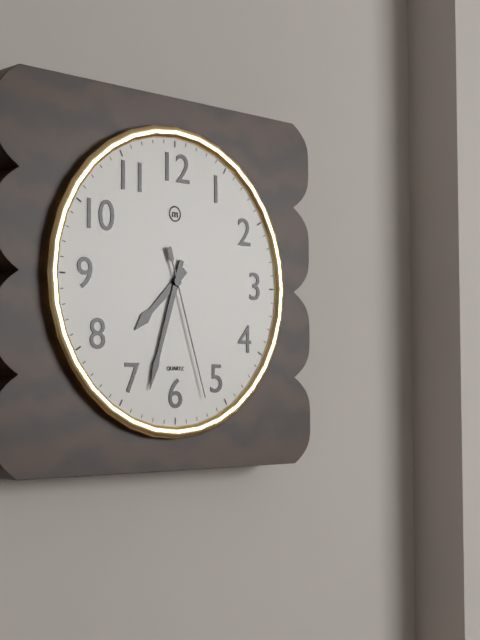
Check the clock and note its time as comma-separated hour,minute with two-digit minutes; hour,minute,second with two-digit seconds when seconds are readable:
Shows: 7,33,27
